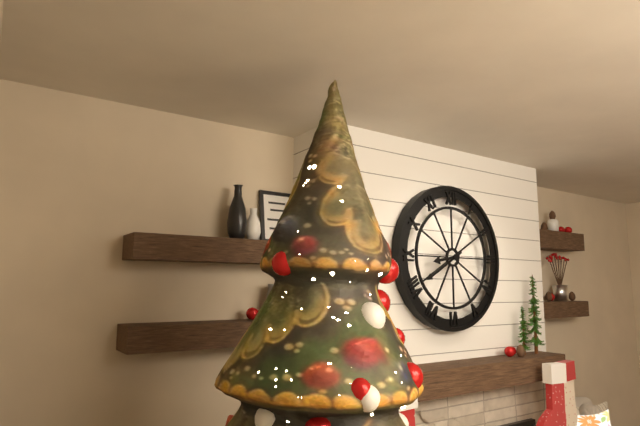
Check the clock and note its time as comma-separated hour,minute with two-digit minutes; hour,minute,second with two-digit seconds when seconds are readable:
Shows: 8,40
